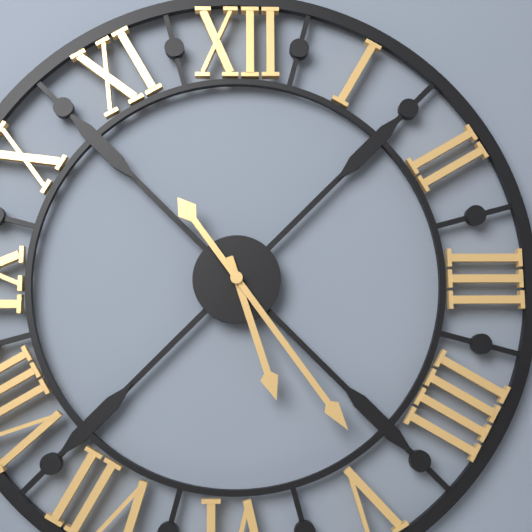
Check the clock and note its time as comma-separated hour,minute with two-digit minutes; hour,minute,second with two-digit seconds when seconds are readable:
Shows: 5,24
